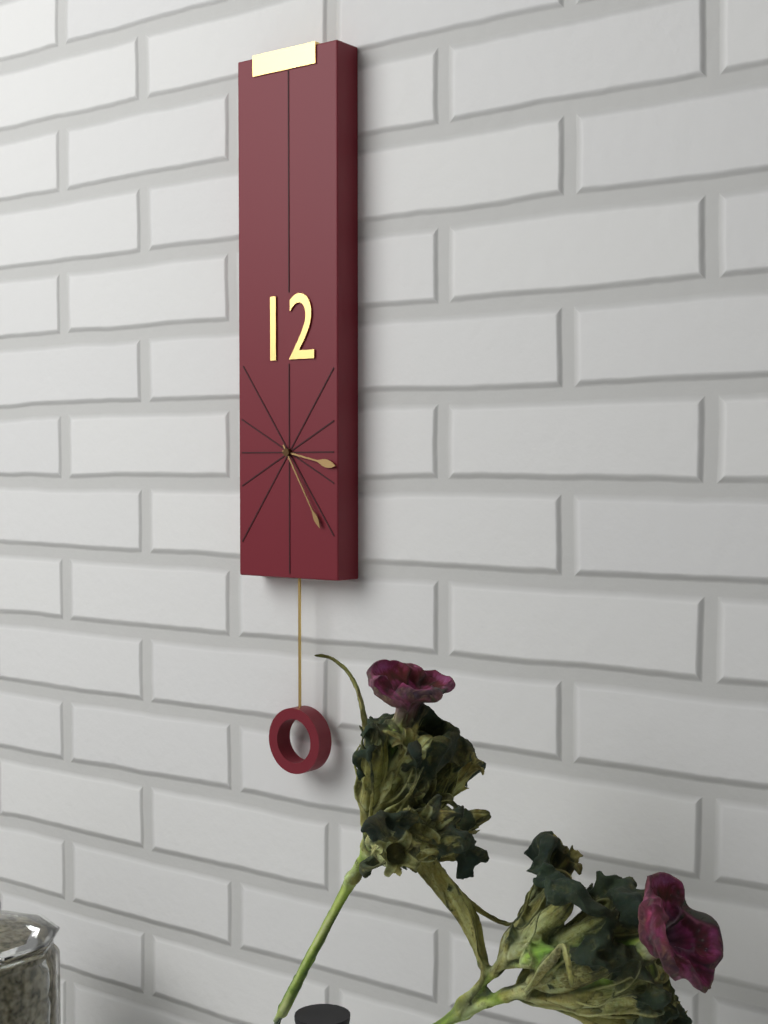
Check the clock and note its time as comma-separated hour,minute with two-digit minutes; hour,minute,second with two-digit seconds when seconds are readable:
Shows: 3,25
